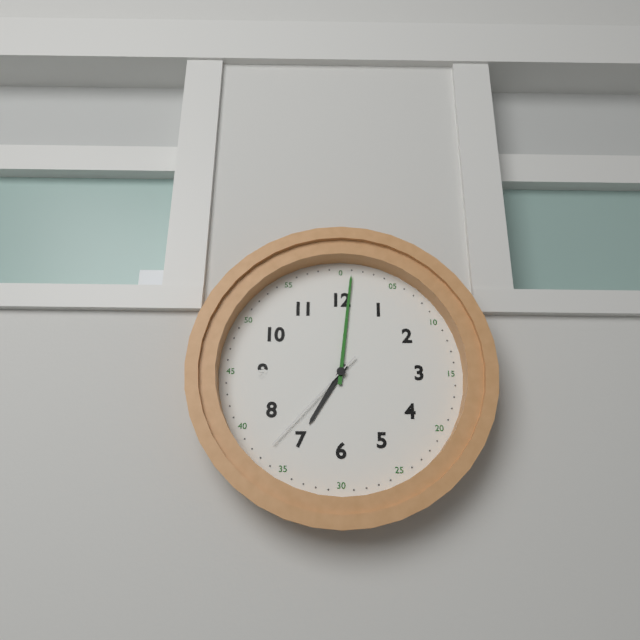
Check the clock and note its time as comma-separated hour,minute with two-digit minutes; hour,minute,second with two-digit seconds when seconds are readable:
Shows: 7,01,37
